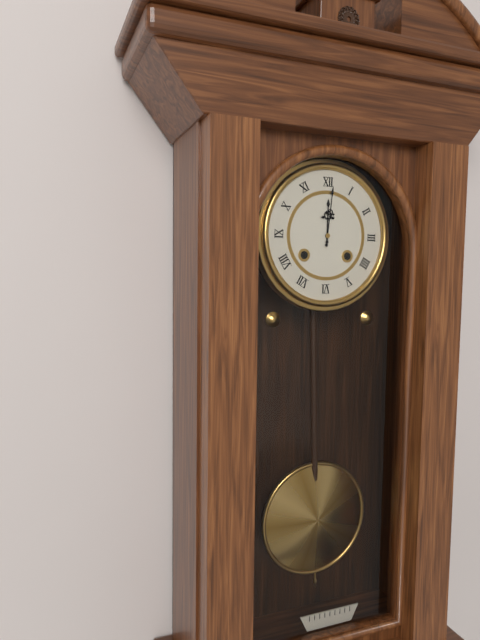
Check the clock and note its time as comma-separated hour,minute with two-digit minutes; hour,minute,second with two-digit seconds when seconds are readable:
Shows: 12,01
